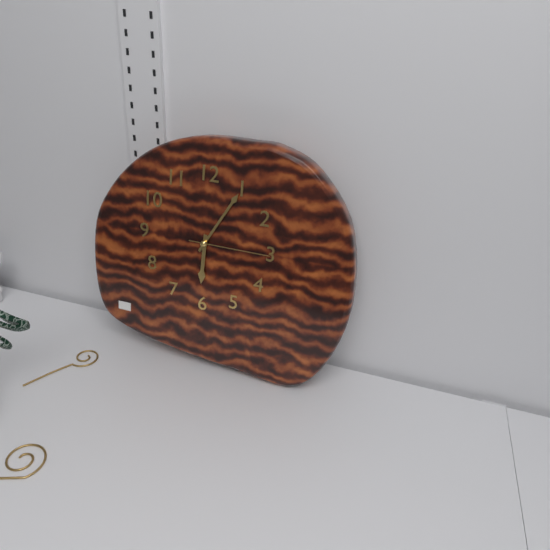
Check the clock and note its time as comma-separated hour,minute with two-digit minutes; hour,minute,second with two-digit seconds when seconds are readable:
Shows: 6,05,15
